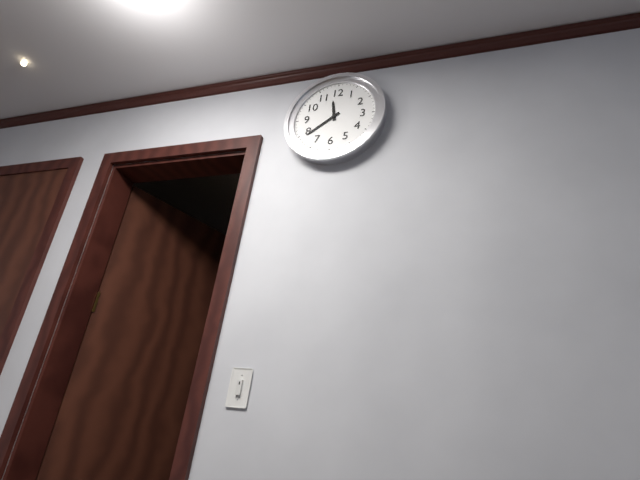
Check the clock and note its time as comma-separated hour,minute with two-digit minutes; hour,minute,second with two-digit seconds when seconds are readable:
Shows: 11,39
